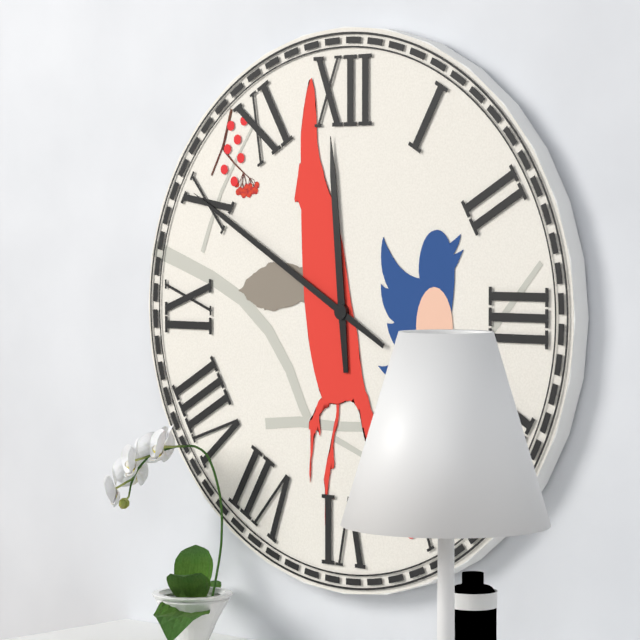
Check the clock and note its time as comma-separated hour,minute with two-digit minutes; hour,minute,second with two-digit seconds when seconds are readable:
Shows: 11,50
